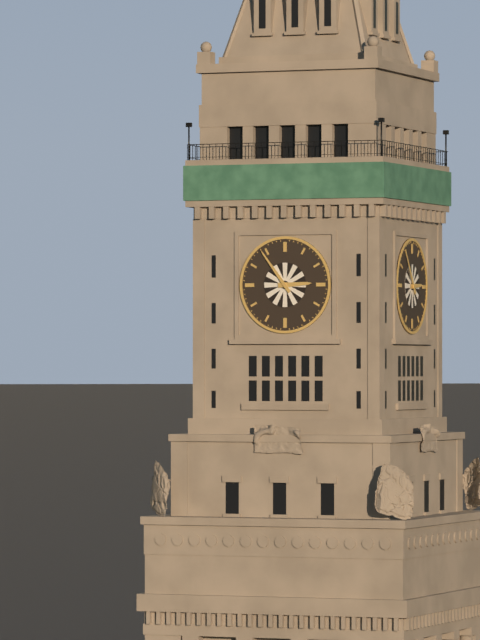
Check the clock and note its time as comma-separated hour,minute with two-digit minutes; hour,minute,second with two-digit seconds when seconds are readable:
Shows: 2,54
